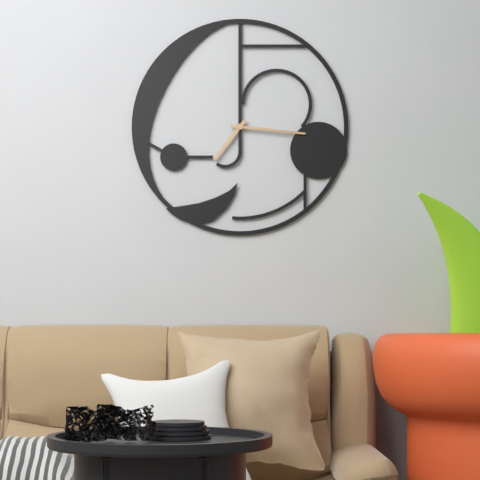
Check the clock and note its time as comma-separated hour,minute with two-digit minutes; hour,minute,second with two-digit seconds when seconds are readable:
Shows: 7,16
